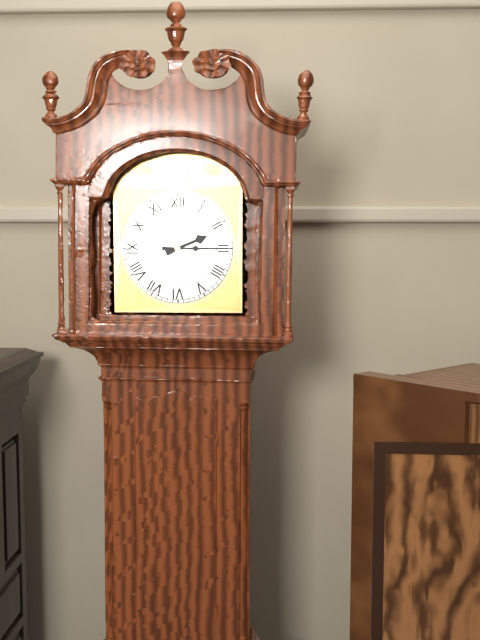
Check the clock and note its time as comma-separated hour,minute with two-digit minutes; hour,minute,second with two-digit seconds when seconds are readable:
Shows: 2,15
